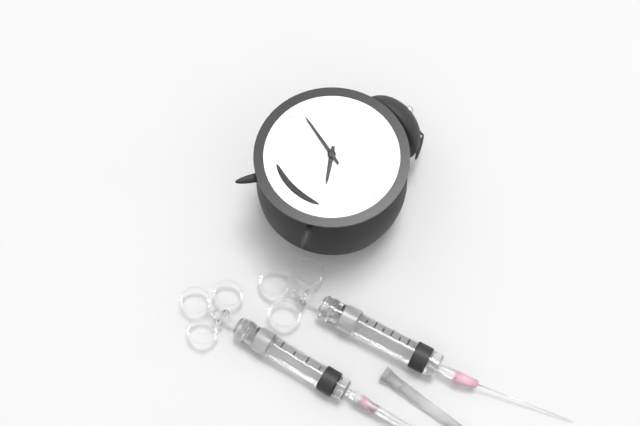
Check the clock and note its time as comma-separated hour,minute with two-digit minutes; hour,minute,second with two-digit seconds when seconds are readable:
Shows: 4,47
